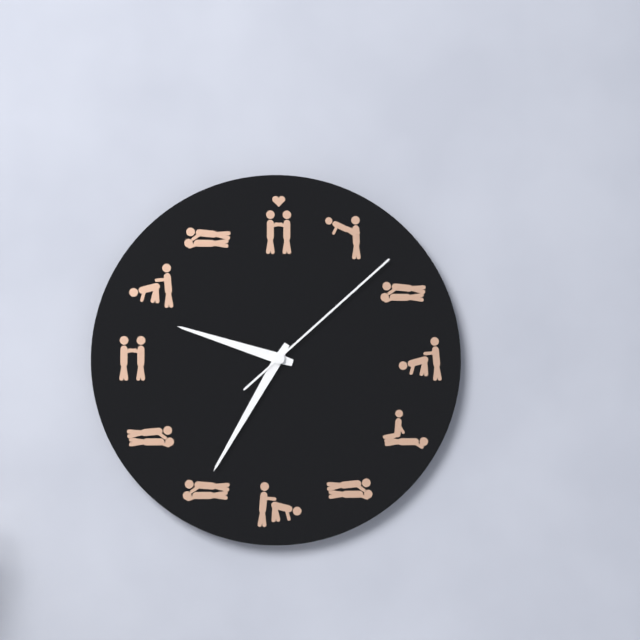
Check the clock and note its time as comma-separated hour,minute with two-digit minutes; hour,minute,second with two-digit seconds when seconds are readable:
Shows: 9,35,08
